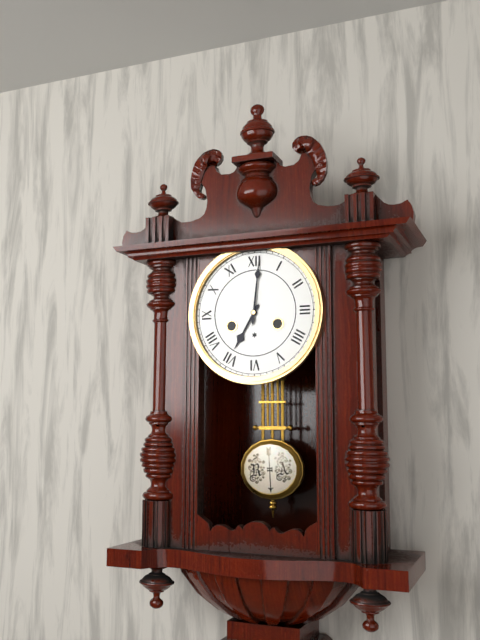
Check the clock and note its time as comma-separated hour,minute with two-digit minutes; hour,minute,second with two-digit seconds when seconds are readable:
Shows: 7,01
